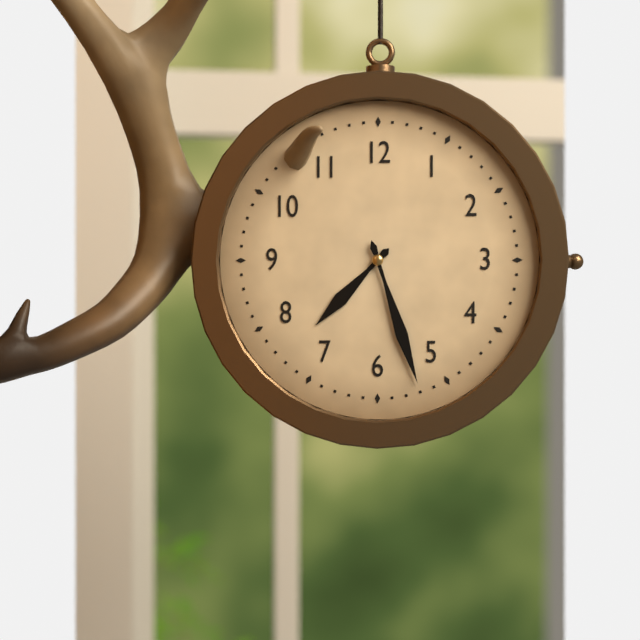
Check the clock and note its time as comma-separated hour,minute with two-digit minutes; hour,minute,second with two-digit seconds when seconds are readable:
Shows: 7,27
